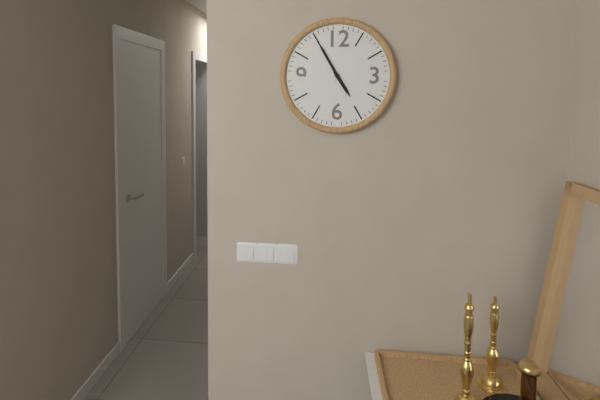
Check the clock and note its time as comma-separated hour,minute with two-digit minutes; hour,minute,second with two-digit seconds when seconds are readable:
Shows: 4,55
